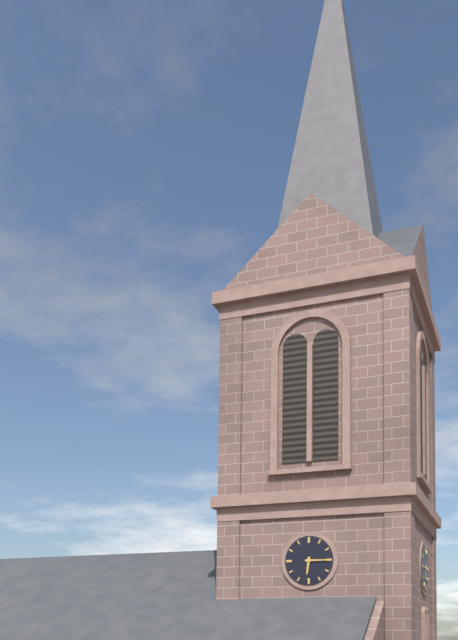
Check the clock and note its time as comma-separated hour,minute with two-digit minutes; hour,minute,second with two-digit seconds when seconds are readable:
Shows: 6,15
